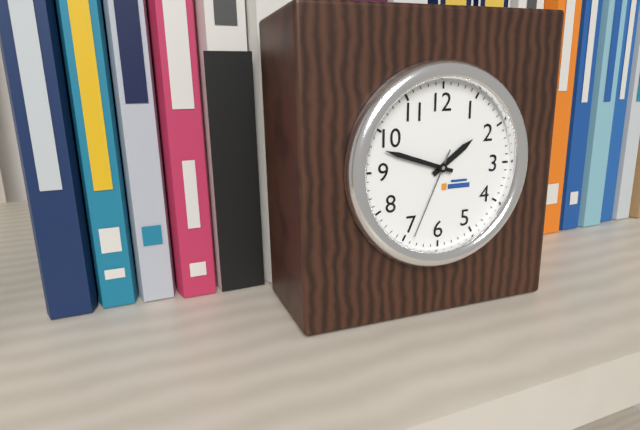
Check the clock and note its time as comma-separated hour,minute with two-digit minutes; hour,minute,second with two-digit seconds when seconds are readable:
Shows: 1,48,34
